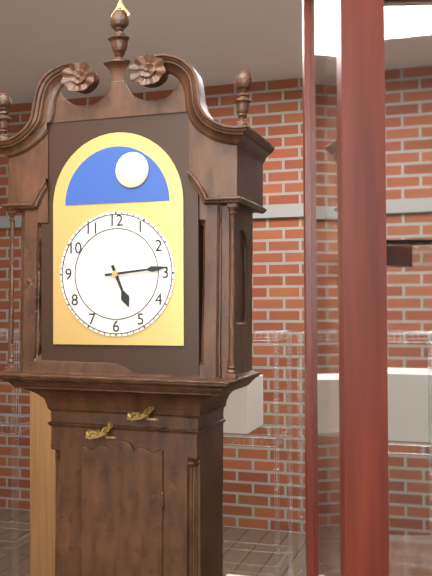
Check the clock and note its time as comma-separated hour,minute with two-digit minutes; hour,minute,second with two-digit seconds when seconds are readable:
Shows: 5,14
